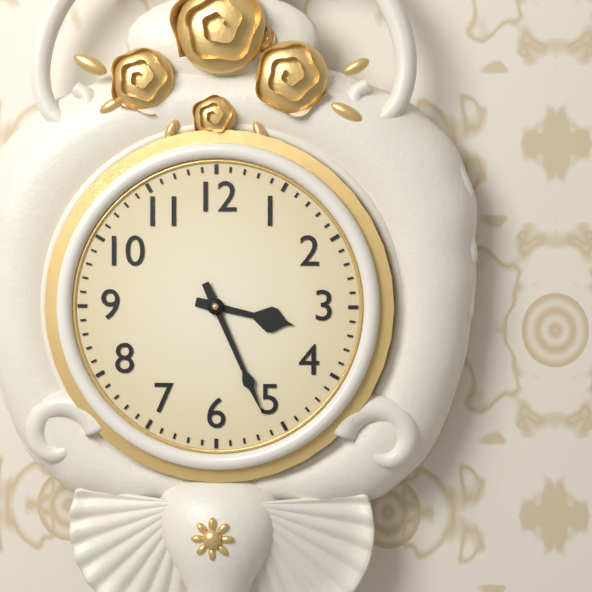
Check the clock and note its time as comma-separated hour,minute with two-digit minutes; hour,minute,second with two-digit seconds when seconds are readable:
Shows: 3,26
